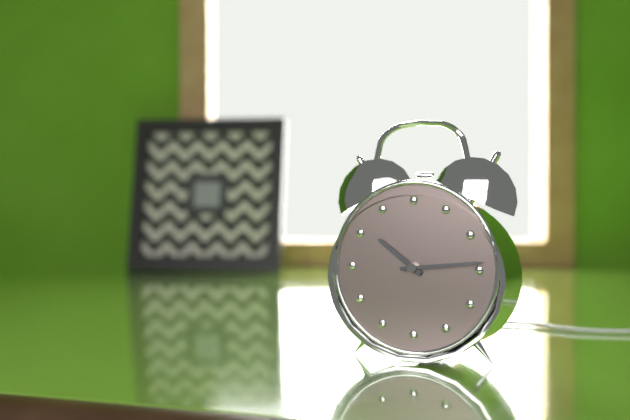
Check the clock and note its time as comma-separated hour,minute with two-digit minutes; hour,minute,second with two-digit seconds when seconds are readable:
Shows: 10,14
